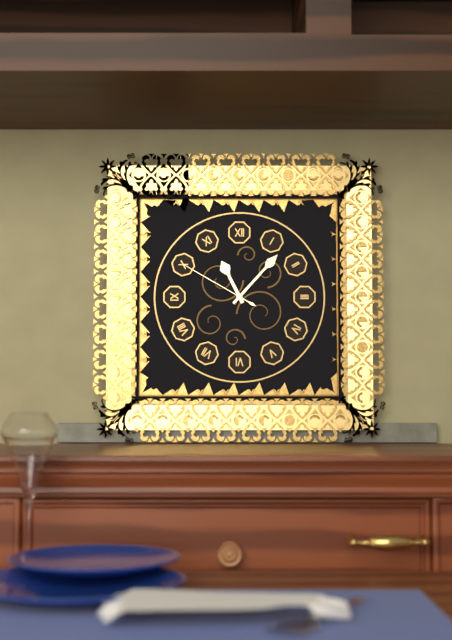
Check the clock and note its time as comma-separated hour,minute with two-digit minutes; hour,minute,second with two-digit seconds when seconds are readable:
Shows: 11,07,50
